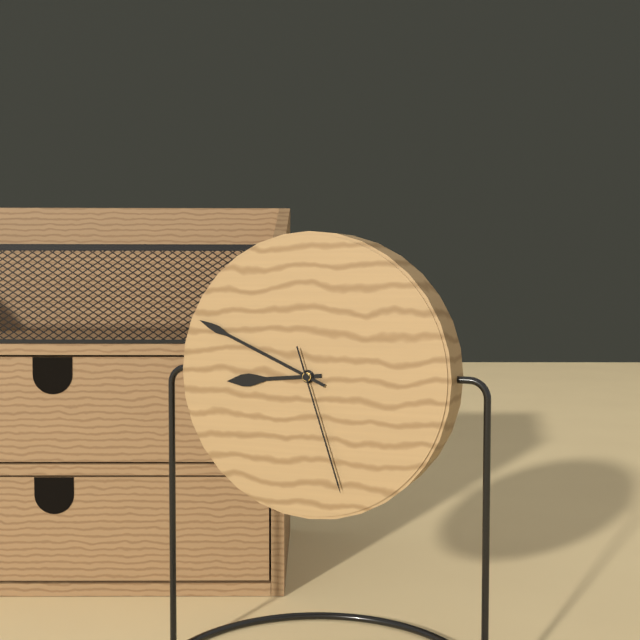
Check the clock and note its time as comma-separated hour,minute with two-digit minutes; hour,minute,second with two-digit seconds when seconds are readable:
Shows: 8,49,27
